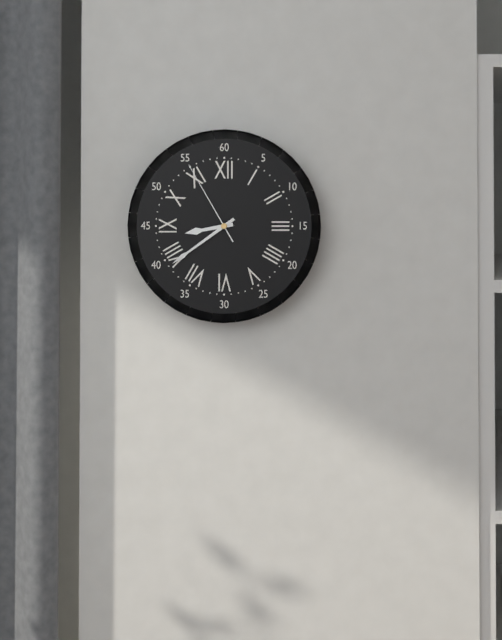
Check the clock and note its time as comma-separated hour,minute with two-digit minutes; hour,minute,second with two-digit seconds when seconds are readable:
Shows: 8,39,55
